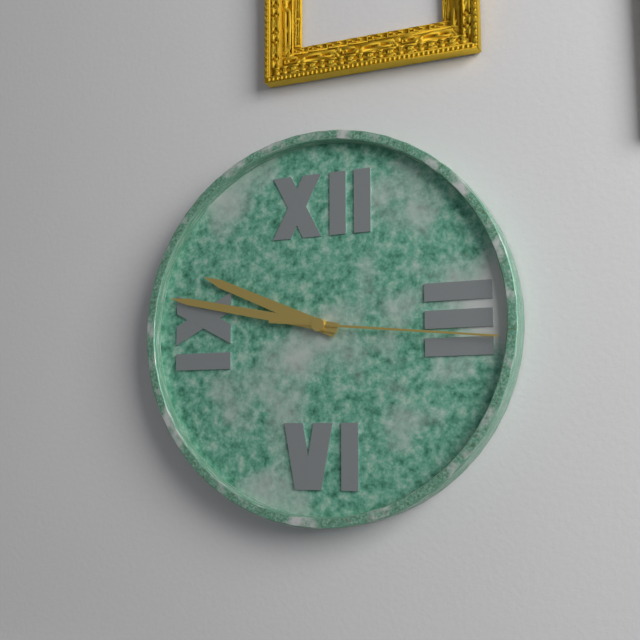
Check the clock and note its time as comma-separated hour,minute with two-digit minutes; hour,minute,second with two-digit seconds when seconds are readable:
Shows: 9,47,16
